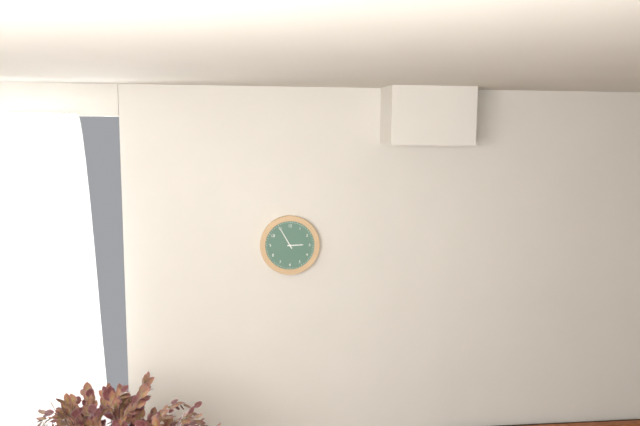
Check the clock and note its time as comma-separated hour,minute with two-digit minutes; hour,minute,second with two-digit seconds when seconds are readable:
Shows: 2,55
